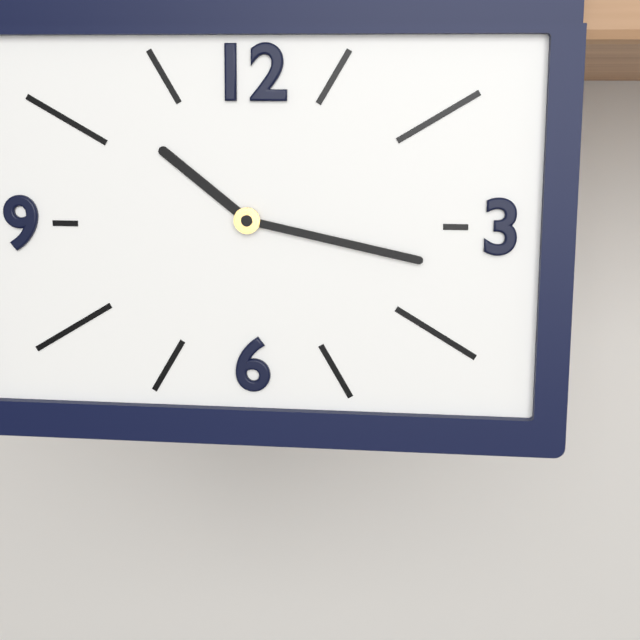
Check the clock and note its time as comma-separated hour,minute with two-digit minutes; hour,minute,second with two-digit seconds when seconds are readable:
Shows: 10,17
